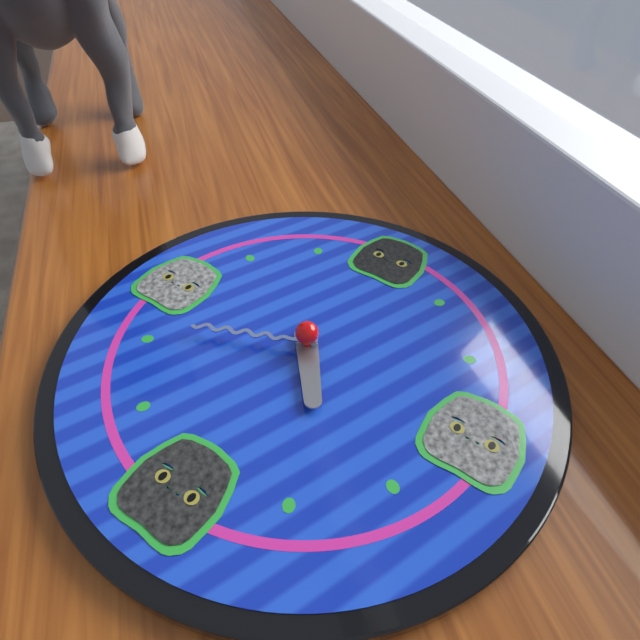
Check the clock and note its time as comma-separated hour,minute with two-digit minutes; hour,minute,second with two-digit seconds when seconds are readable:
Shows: 4,41
